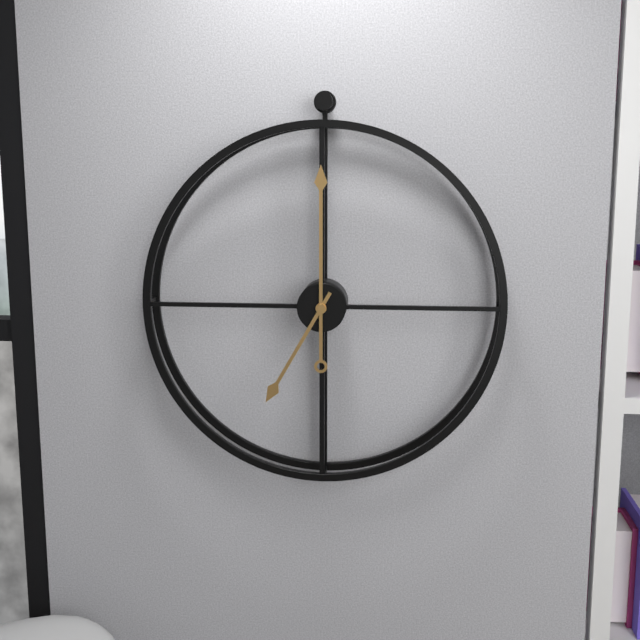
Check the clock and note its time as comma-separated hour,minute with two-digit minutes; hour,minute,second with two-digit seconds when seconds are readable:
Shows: 7,00
